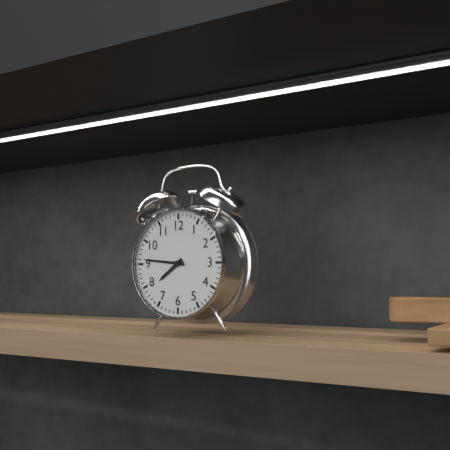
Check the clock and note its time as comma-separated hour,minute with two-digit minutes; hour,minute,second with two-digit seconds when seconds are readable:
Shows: 7,46
